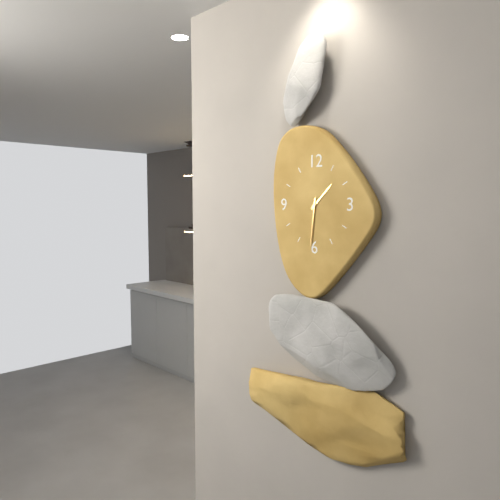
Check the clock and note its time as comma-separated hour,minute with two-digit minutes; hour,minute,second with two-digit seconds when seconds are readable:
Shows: 1,31
